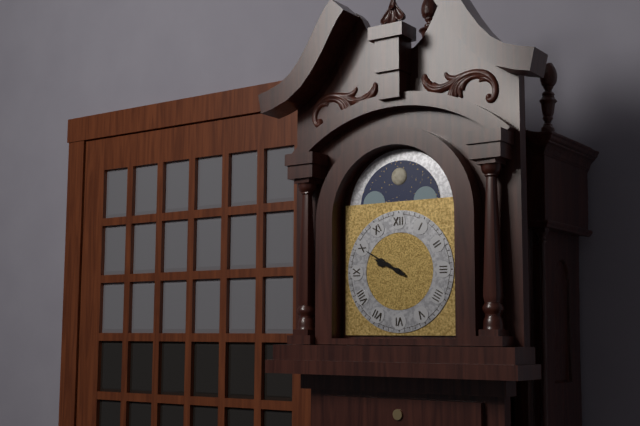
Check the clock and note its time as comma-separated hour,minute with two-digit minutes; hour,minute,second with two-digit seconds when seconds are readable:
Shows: 9,50
